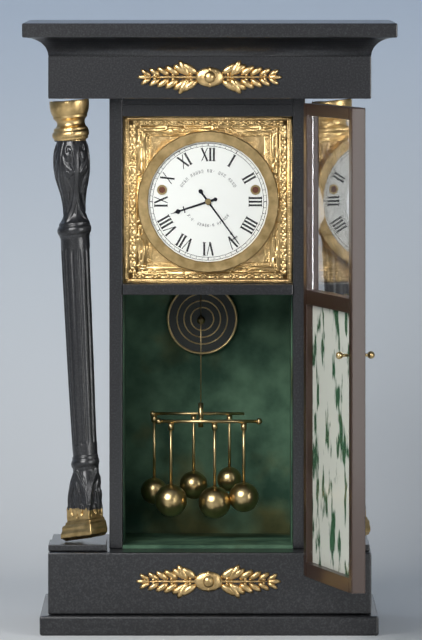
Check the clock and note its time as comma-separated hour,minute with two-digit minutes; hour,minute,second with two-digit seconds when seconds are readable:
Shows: 8,24
